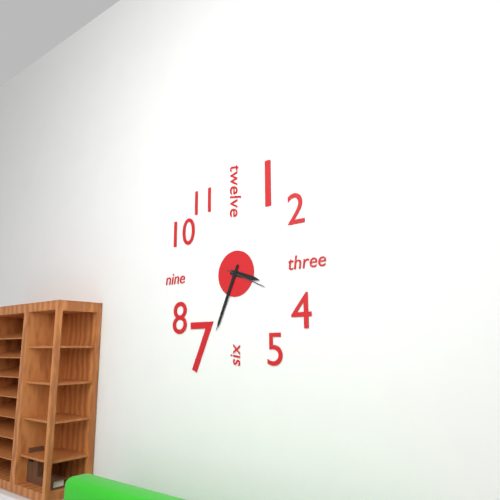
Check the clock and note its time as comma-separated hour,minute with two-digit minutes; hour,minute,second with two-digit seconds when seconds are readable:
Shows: 3,34
